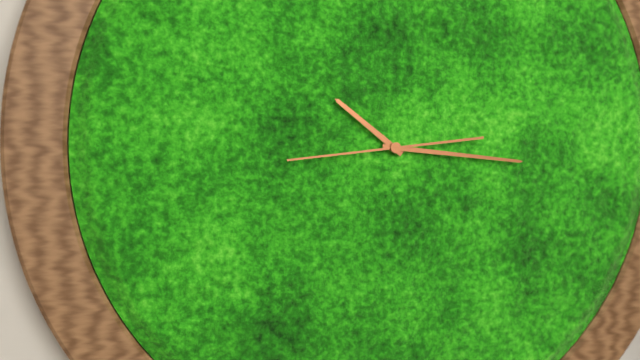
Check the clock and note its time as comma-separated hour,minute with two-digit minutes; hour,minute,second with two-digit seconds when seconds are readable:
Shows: 10,16,44
